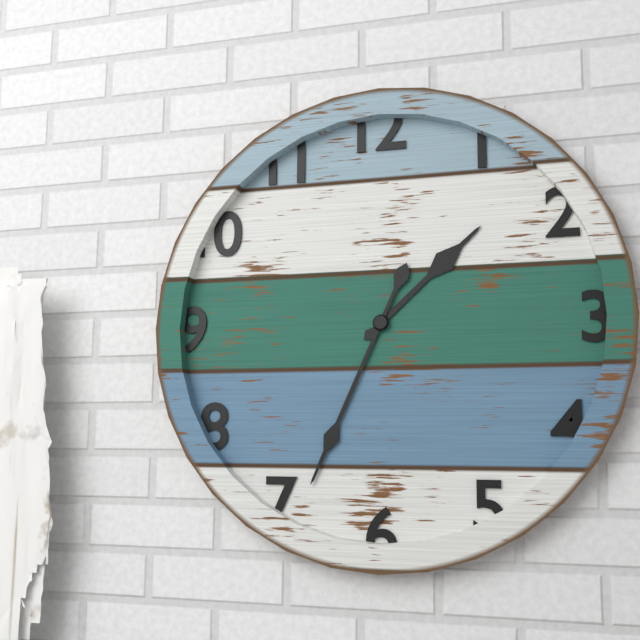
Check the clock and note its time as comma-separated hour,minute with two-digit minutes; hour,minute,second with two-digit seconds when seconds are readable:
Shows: 1,34
